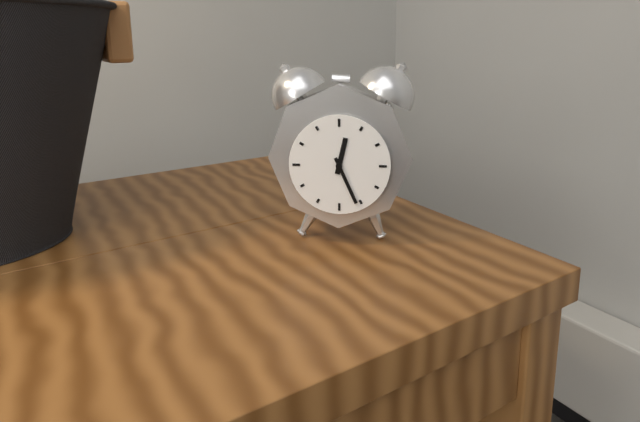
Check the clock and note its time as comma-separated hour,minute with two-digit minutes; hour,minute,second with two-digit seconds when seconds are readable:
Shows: 12,26
